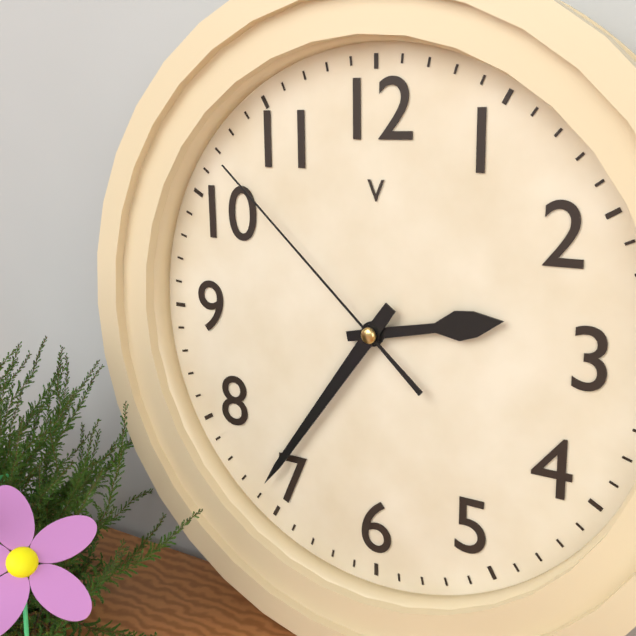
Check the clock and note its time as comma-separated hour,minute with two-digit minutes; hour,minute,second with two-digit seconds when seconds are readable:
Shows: 2,36,52
